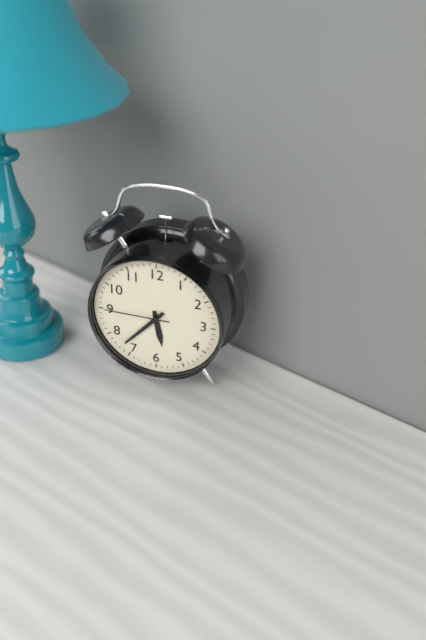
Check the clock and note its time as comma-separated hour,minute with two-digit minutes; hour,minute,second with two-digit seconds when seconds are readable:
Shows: 5,37,45
